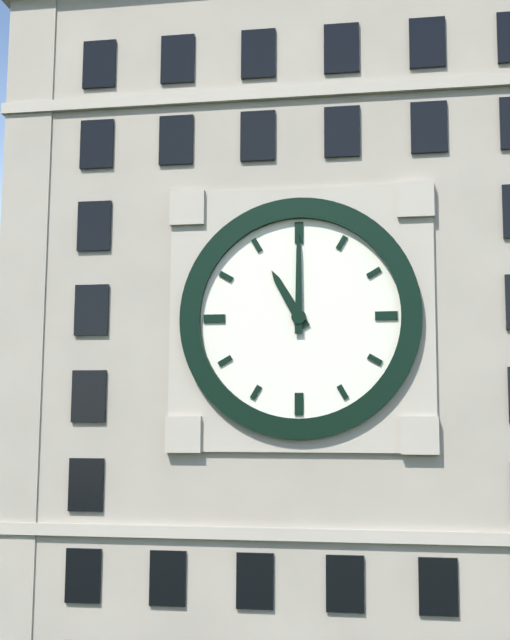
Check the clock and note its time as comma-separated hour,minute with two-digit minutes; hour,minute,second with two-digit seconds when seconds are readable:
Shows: 11,00
